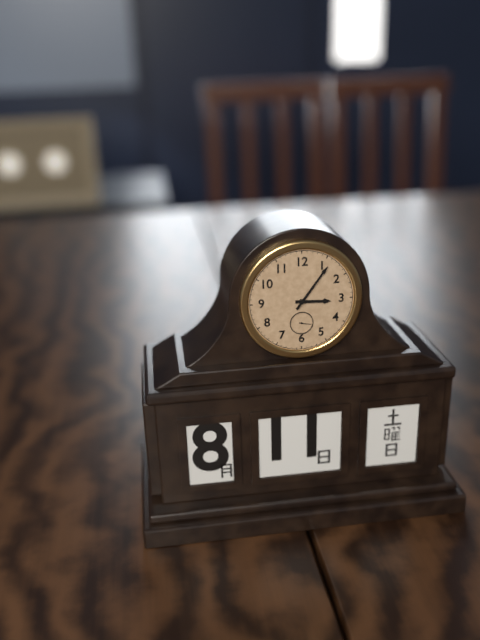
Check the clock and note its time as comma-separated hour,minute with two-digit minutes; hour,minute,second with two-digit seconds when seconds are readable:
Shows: 3,06
